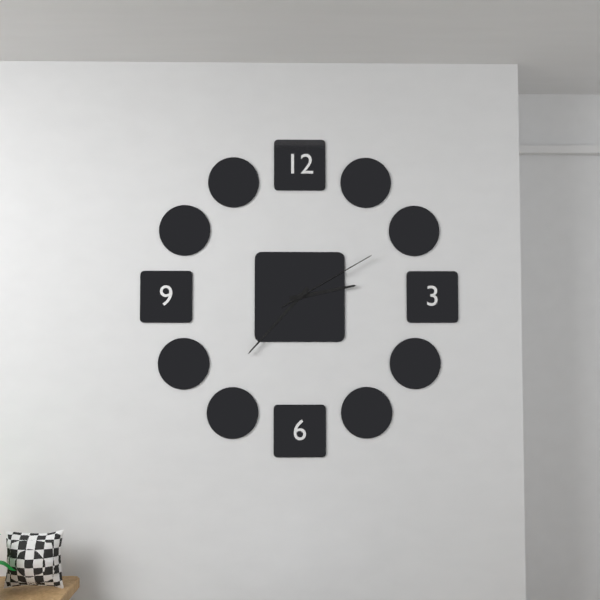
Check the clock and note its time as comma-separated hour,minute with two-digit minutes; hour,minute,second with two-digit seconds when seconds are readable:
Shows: 2,37,10
